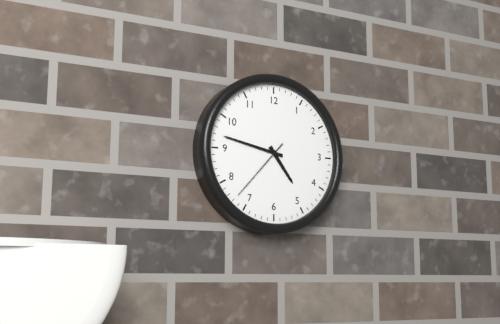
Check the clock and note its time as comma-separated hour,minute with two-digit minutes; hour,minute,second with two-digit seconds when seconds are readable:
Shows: 4,47,37
